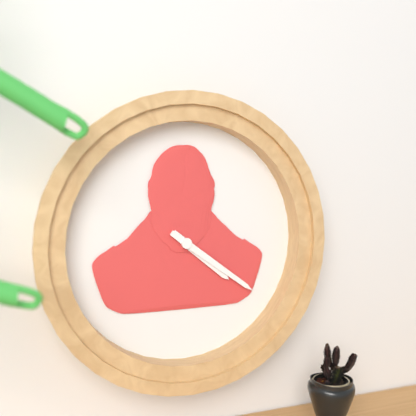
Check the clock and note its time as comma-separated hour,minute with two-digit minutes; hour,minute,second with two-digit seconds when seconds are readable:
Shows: 4,21
